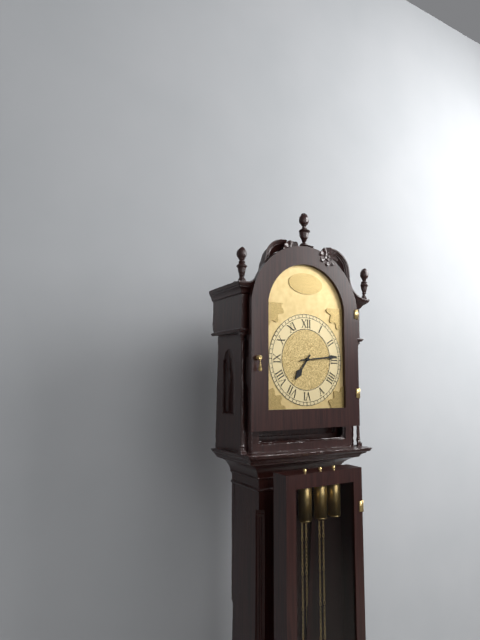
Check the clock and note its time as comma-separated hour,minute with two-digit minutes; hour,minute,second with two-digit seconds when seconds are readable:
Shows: 7,14
